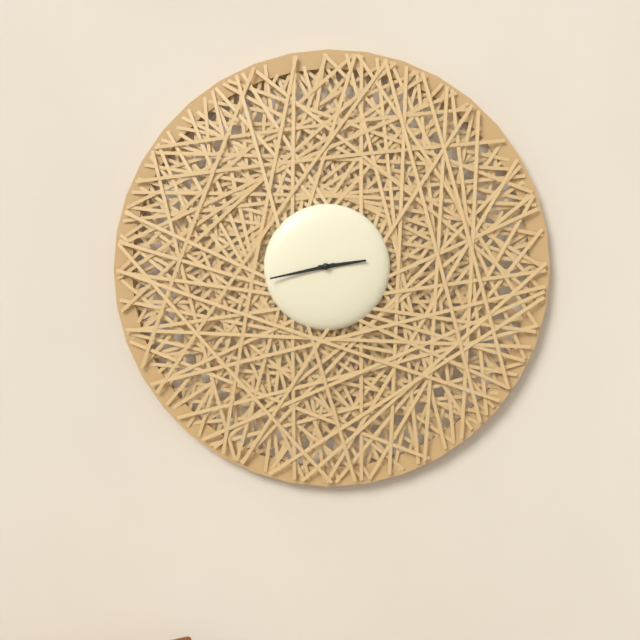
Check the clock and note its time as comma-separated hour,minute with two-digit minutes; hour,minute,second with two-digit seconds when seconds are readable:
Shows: 2,43
